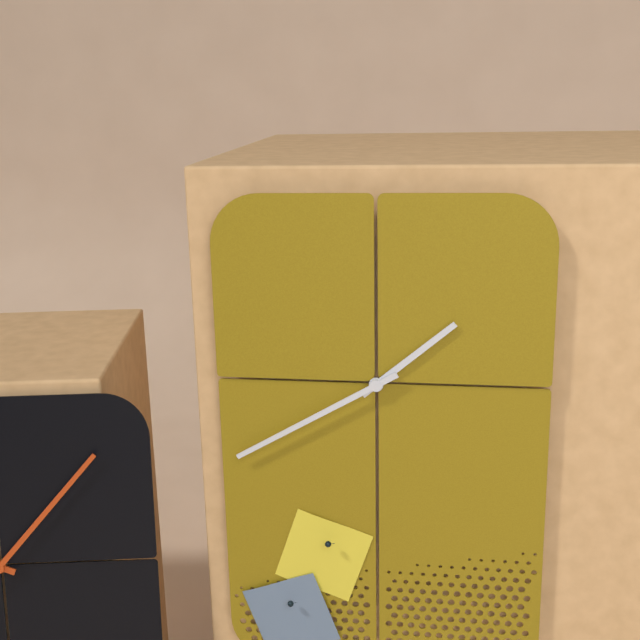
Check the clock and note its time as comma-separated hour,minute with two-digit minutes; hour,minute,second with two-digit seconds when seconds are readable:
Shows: 1,40
